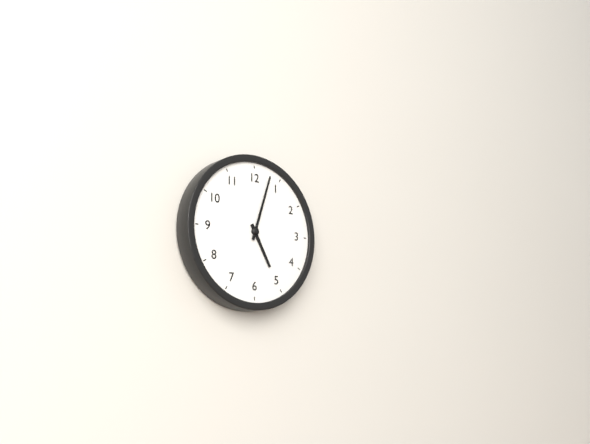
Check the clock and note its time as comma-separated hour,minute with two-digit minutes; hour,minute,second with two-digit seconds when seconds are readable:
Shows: 5,03
